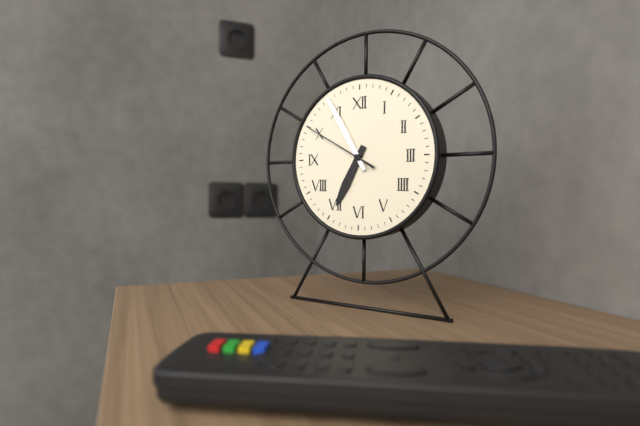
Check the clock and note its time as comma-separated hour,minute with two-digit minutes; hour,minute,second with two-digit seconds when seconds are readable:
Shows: 6,55,50
